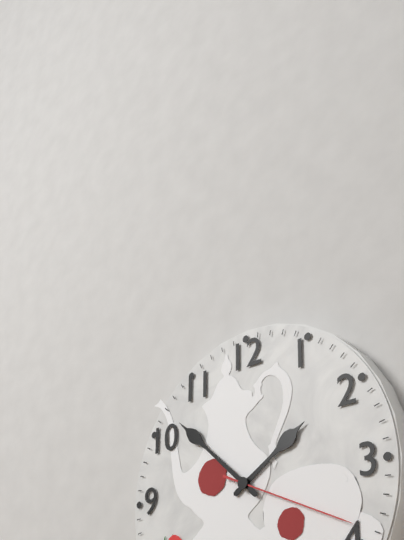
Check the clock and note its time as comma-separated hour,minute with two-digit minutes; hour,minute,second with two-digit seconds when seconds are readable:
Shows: 1,52,19
